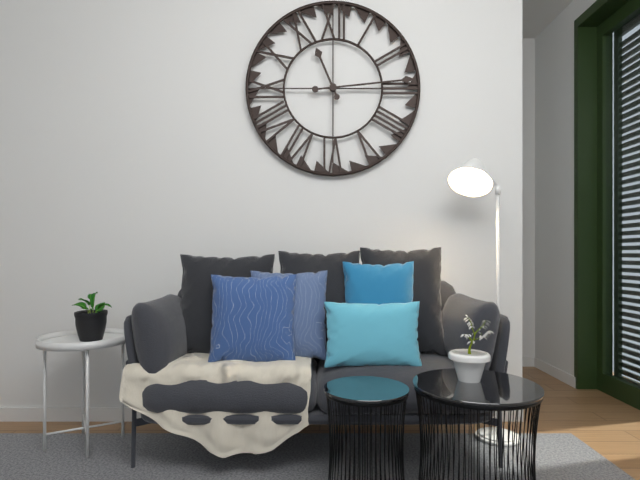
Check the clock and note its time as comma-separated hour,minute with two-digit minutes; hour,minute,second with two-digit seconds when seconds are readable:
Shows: 11,14
